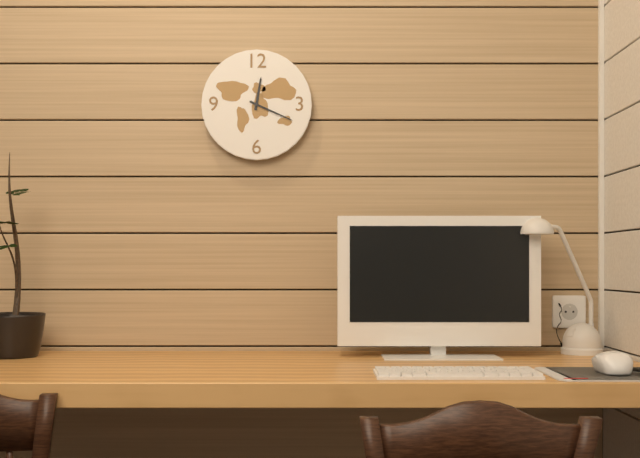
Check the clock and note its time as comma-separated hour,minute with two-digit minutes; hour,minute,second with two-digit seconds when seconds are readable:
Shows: 12,19
